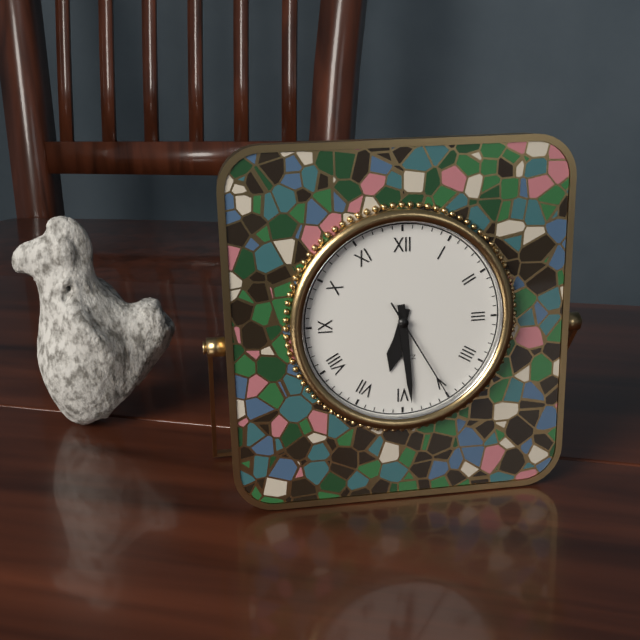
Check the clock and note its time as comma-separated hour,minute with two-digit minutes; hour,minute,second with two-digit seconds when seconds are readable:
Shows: 6,29,25
